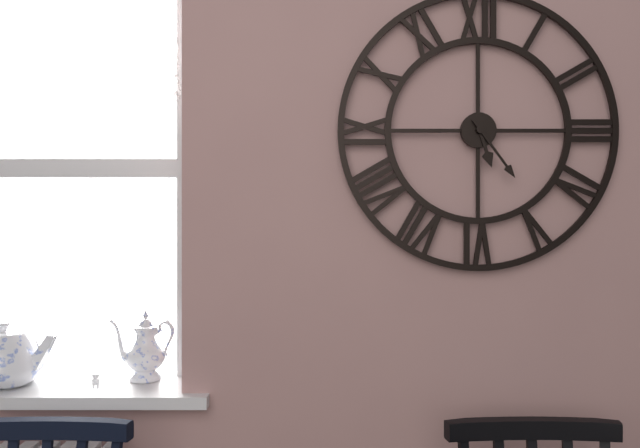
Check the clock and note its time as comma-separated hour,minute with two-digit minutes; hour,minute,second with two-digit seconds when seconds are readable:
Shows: 5,24
